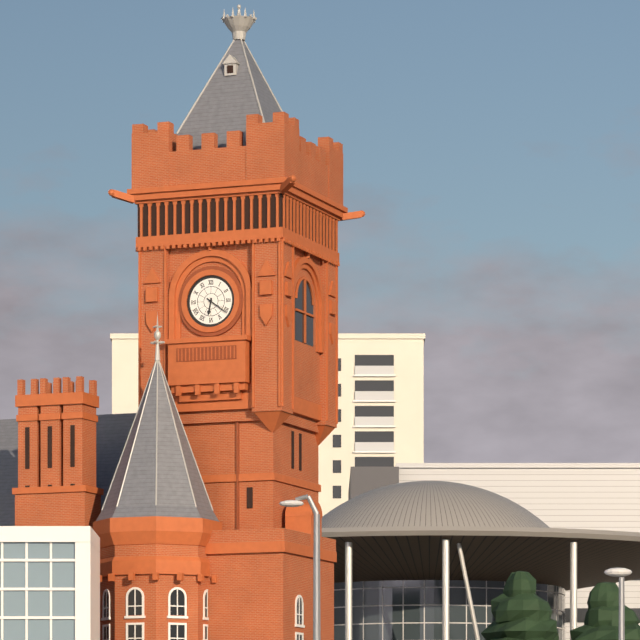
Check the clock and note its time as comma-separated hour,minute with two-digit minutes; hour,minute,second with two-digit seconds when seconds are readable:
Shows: 6,21
